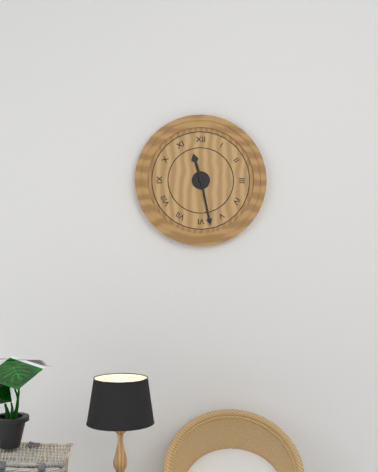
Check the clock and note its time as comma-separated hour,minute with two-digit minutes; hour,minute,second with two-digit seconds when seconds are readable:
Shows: 11,28
